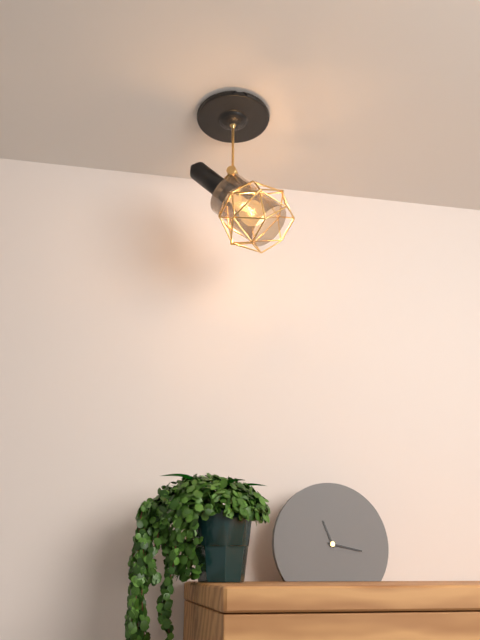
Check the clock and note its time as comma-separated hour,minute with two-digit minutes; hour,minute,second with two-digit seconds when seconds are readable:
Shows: 11,17
